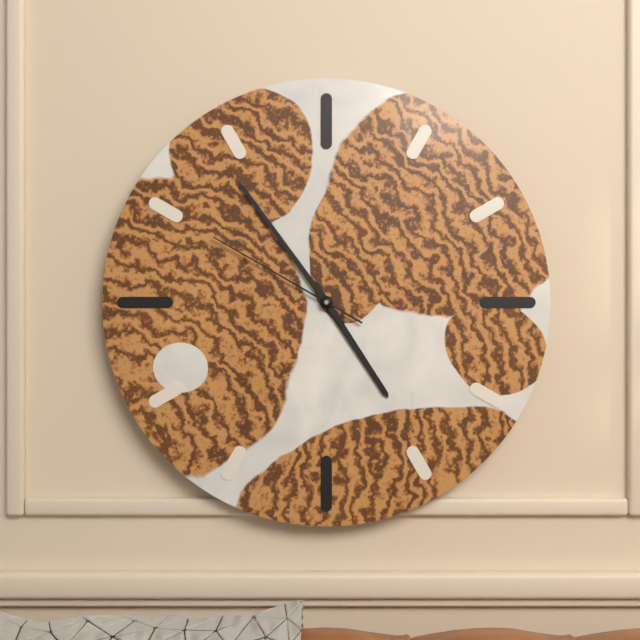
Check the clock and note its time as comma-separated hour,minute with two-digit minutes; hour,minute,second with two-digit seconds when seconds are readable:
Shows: 4,54,50
